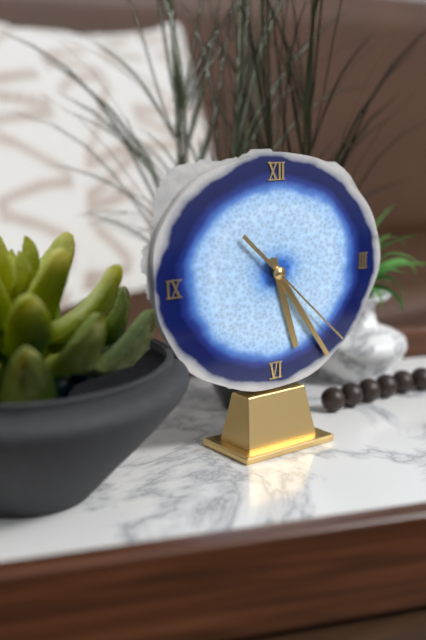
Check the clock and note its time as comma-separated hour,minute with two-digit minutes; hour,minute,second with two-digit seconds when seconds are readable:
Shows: 5,24,22
